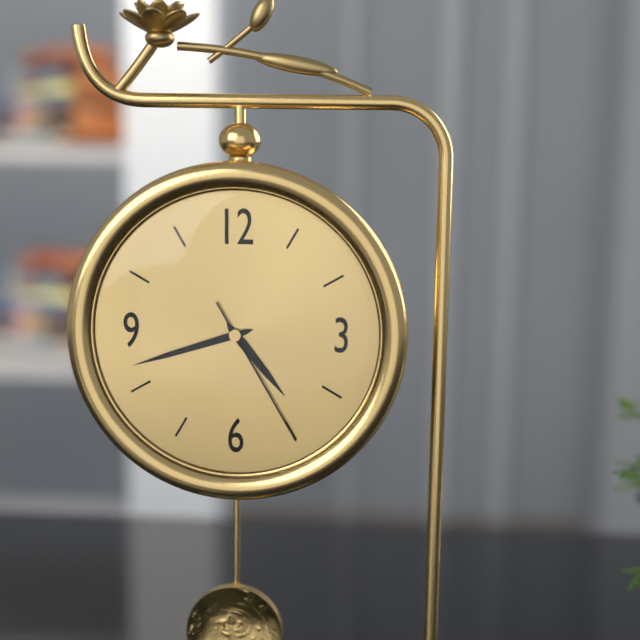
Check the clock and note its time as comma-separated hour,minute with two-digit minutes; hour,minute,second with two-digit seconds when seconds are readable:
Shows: 4,42,25
